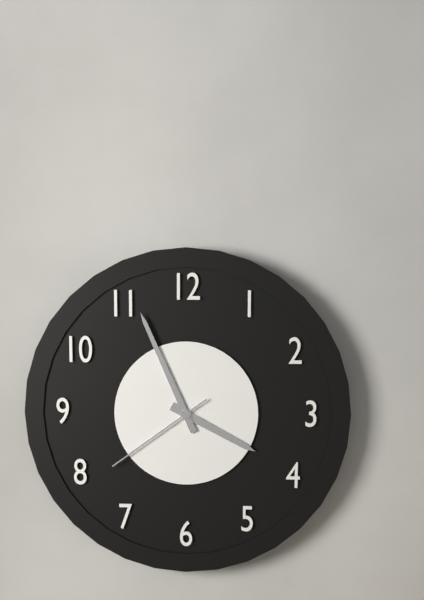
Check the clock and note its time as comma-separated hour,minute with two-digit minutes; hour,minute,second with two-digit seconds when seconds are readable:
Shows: 3,56,39
